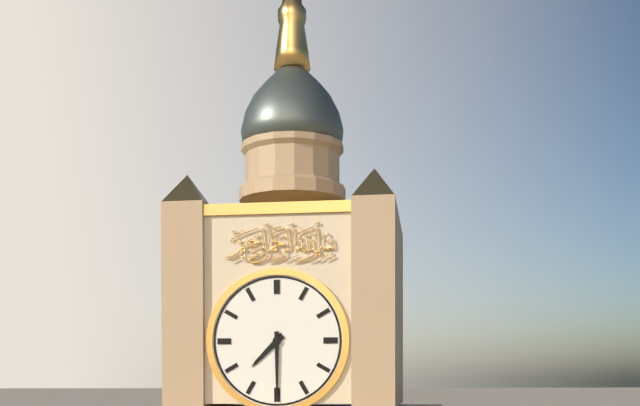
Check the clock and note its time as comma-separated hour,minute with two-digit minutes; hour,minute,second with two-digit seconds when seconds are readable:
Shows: 7,30
